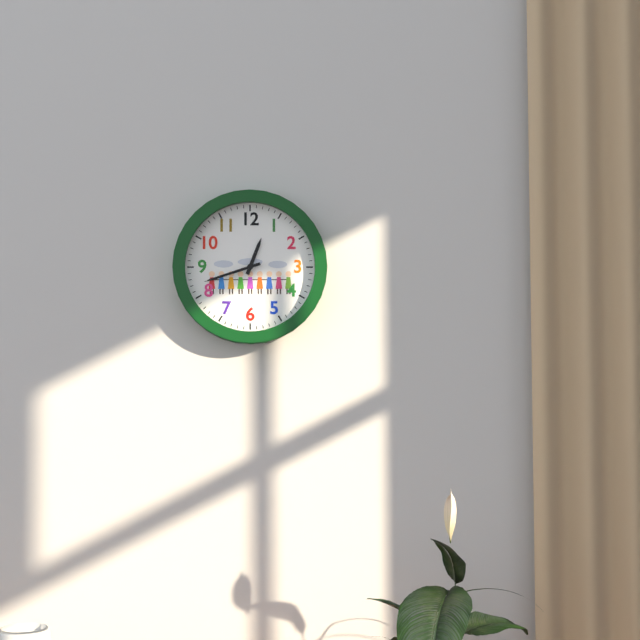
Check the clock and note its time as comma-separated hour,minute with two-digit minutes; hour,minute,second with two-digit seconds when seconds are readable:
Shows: 12,42
